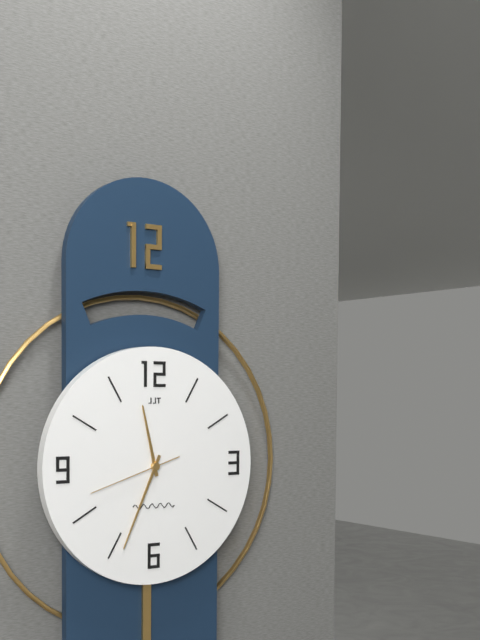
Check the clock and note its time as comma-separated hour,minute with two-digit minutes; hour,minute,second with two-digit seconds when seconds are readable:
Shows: 11,34,42
